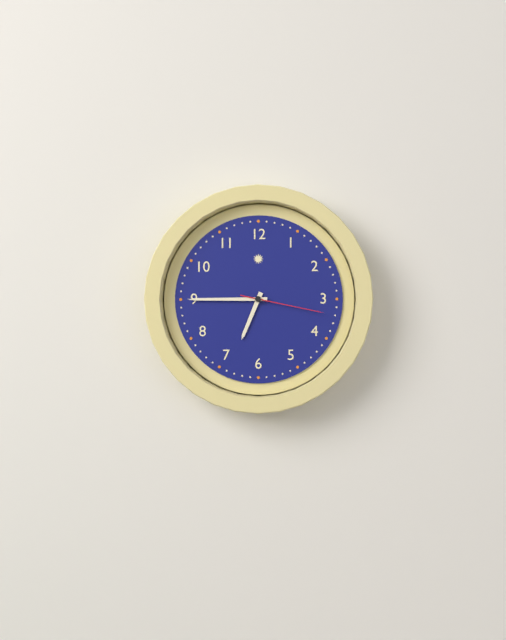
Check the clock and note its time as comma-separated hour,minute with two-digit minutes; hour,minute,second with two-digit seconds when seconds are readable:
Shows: 6,45,17
